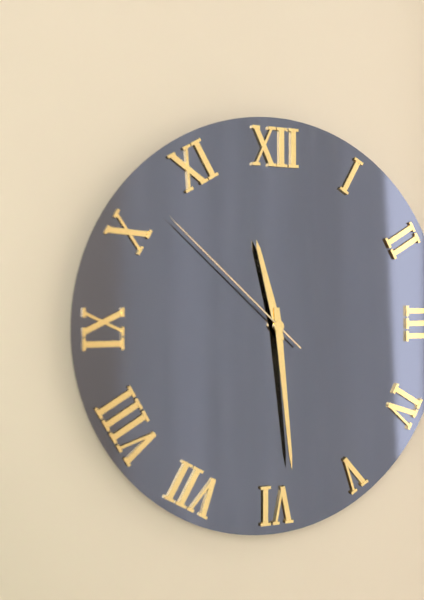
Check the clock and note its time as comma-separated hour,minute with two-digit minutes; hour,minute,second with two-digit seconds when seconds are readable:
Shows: 11,29,52
